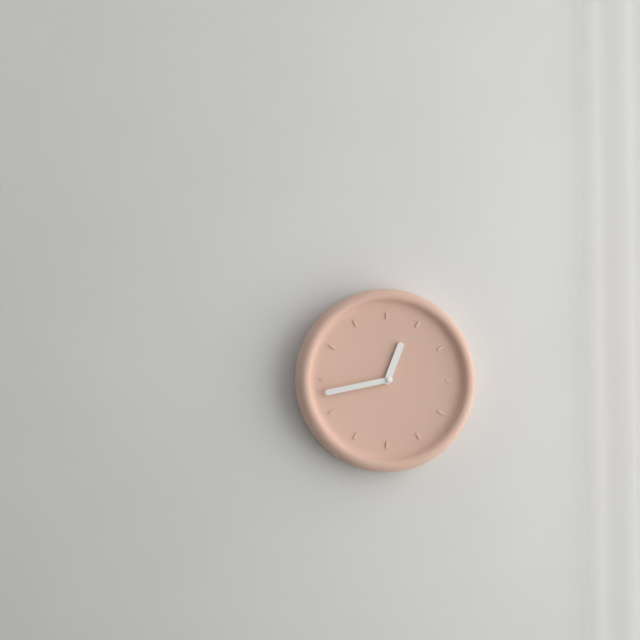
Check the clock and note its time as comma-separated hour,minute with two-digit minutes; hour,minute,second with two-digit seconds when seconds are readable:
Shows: 12,43
